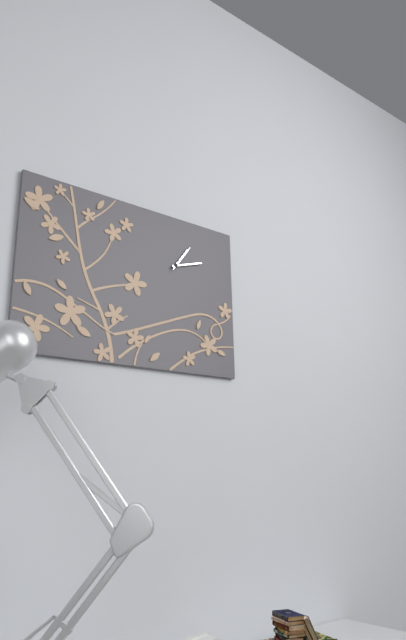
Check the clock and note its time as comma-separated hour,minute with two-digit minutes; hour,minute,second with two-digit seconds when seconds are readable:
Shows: 1,12
